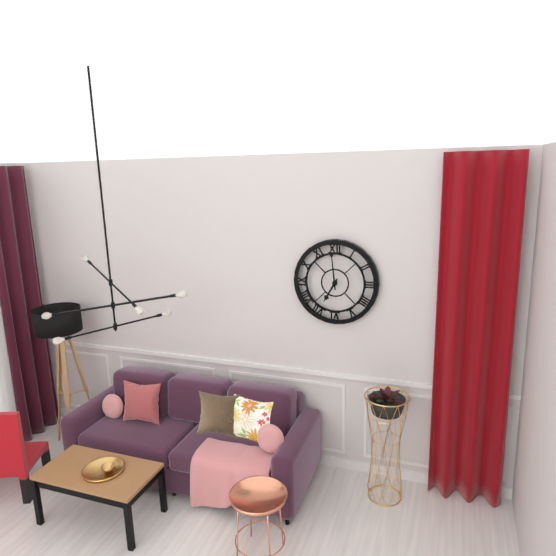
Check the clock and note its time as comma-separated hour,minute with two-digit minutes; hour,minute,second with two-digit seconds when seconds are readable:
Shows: 6,59
